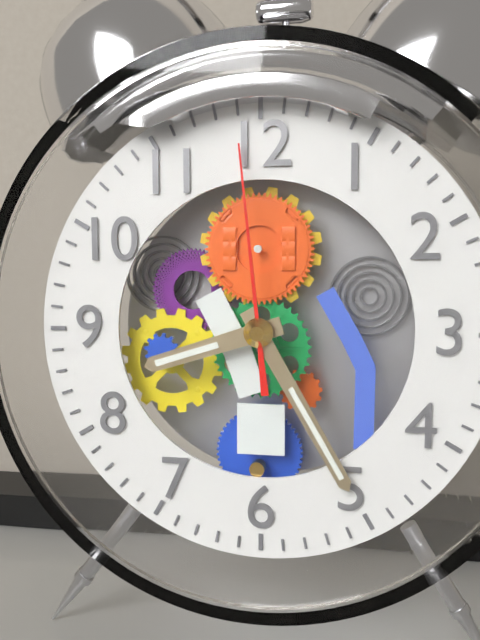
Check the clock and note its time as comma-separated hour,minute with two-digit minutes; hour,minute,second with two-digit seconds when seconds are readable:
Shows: 8,25,59
